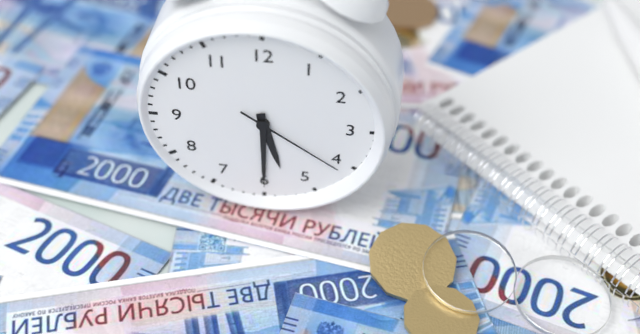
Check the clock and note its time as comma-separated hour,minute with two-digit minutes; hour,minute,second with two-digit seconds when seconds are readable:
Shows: 5,30,21
